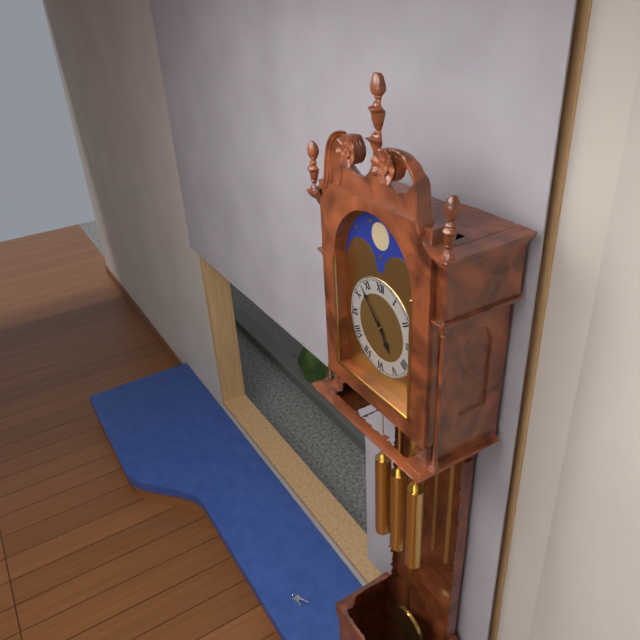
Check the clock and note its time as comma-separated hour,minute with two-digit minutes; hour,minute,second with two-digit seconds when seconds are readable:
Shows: 4,53
